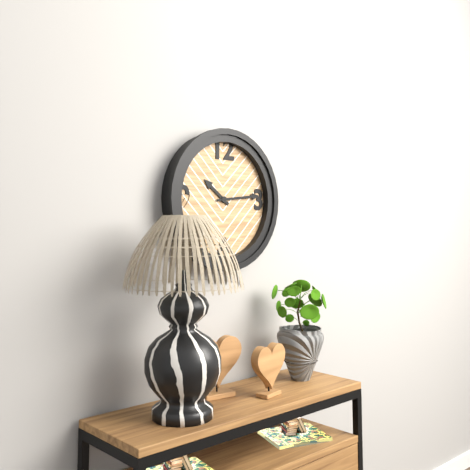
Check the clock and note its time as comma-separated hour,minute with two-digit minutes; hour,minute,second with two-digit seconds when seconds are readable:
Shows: 10,14
